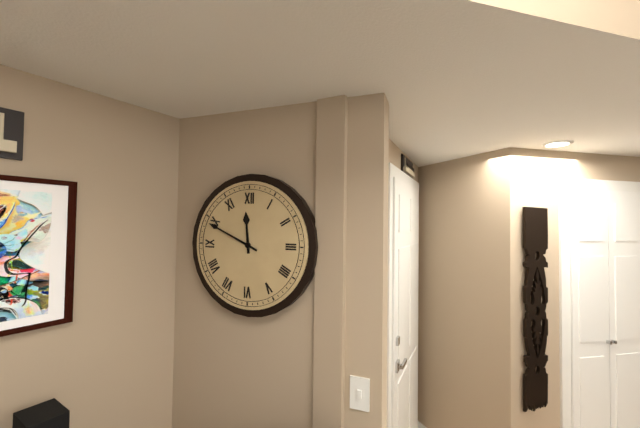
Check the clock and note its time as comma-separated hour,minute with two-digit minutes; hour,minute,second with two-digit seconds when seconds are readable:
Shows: 11,49
